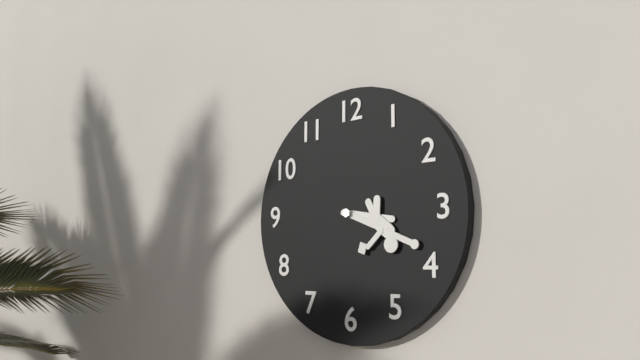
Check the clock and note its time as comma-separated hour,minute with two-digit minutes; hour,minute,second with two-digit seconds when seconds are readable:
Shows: 3,18
